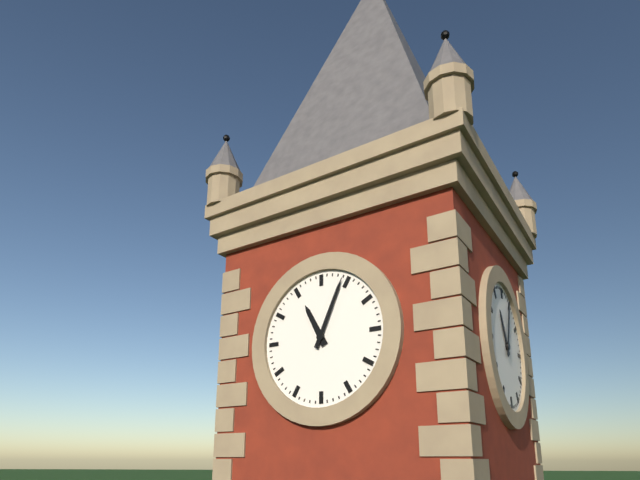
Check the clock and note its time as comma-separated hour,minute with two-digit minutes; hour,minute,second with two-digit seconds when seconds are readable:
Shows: 11,04
